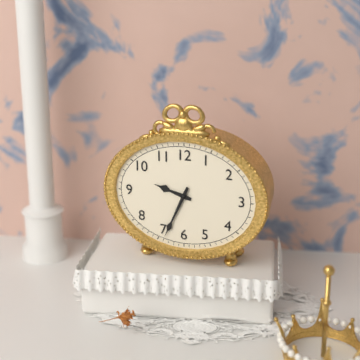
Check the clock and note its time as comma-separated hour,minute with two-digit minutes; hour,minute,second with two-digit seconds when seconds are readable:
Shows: 9,34
